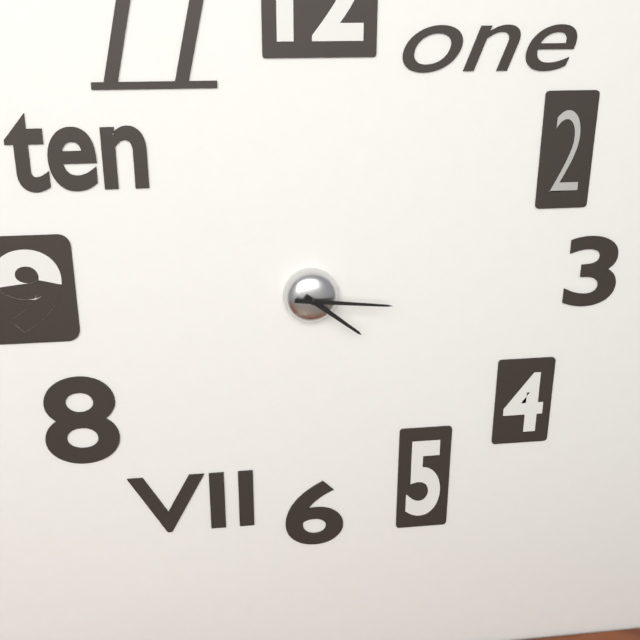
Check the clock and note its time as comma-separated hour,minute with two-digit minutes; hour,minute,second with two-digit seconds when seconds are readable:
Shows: 4,16
